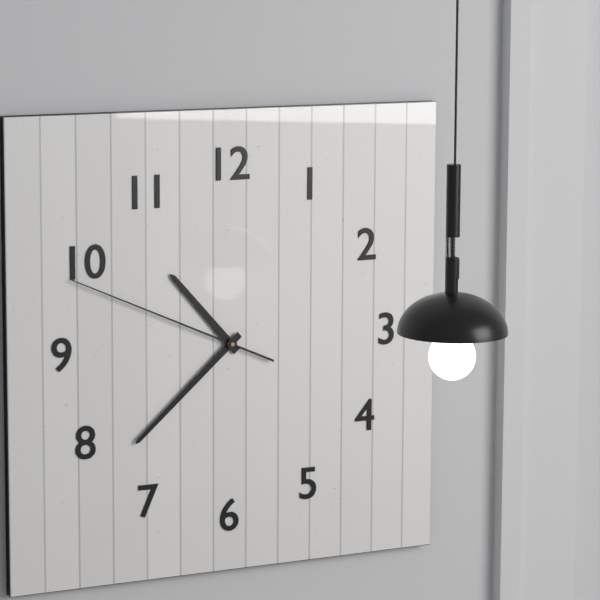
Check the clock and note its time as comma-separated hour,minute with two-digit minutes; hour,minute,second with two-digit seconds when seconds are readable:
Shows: 10,38,49
